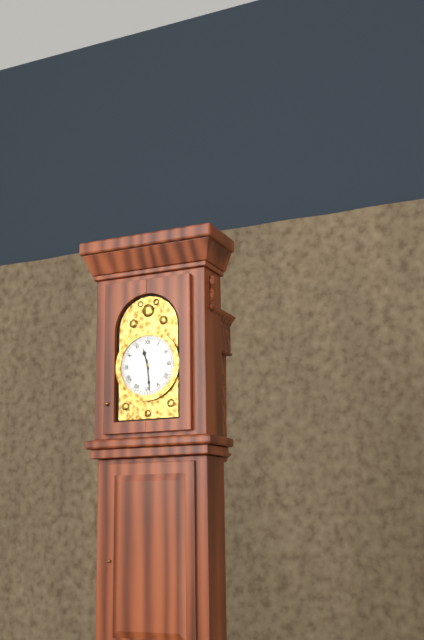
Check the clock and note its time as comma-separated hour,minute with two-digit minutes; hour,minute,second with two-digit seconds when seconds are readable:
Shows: 11,29
